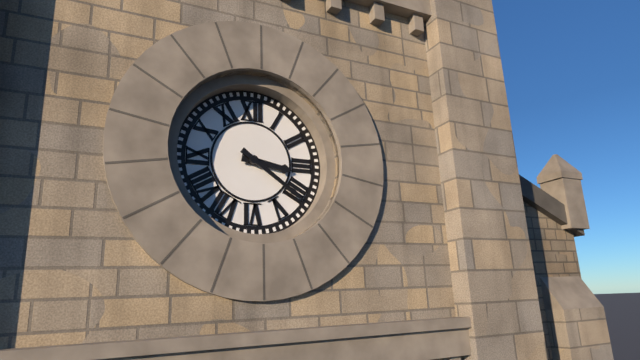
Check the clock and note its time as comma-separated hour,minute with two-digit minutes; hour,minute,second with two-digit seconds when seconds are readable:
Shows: 3,21
